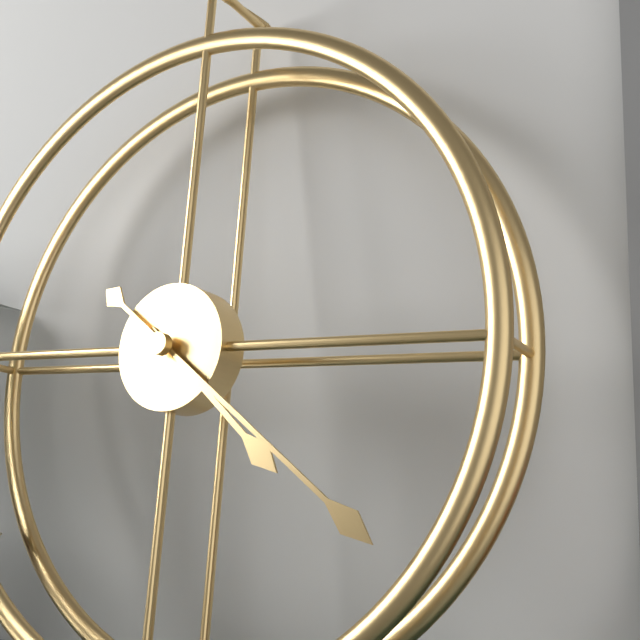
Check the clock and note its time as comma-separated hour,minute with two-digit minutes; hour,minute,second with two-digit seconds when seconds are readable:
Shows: 4,21
